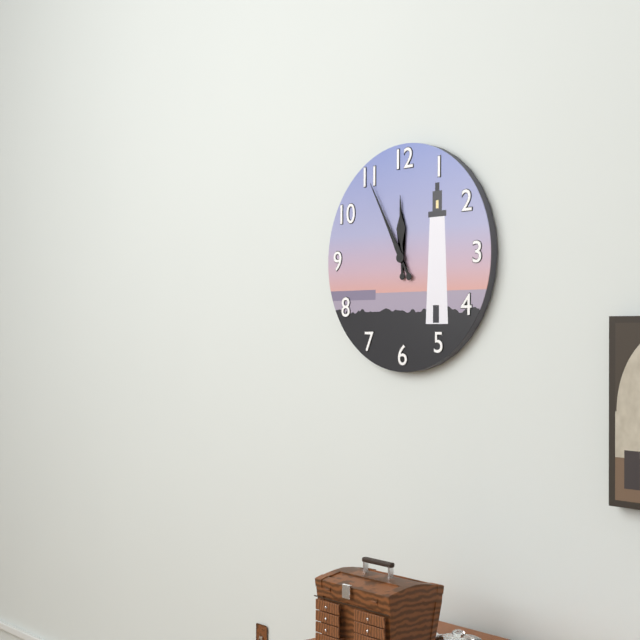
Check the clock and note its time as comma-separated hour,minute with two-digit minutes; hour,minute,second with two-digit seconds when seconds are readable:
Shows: 11,55
